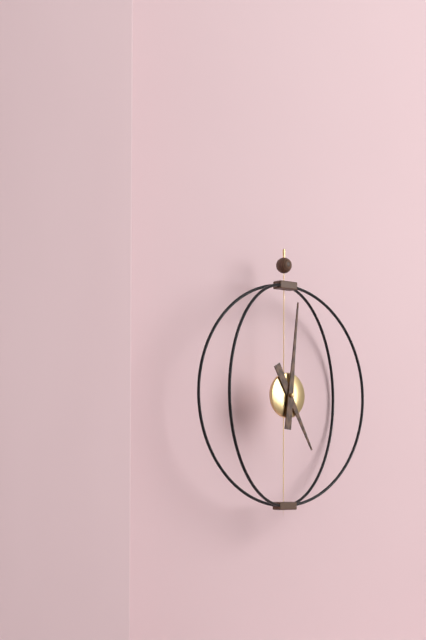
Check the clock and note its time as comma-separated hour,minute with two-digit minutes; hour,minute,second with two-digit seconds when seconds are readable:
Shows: 5,01
